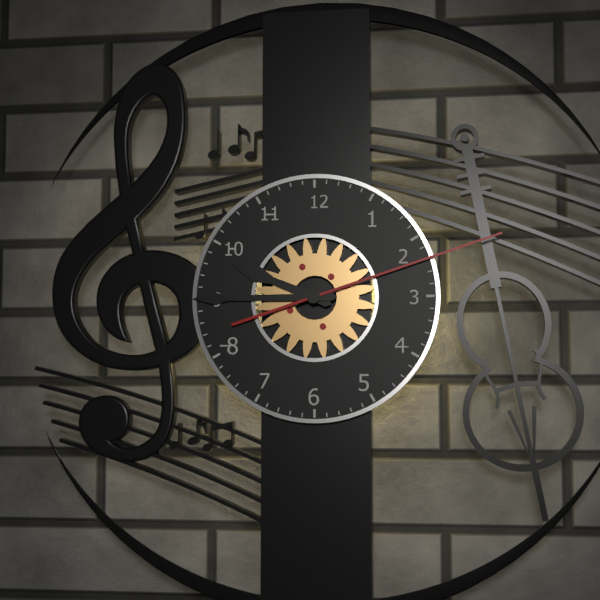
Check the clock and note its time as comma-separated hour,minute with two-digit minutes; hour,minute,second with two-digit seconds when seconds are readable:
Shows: 9,45,12
